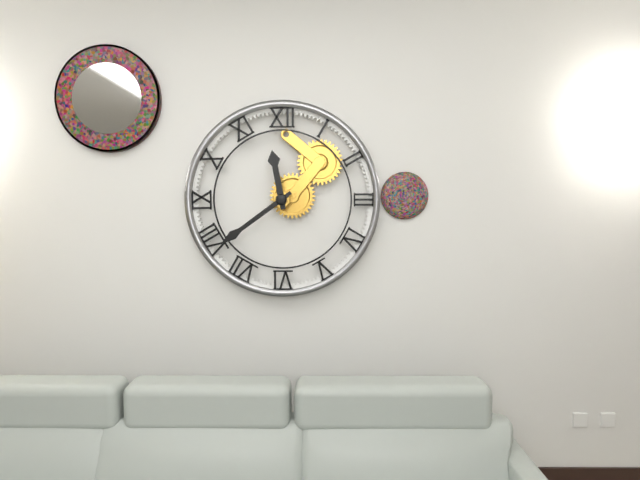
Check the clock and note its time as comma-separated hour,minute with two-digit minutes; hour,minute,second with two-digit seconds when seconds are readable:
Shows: 11,39
